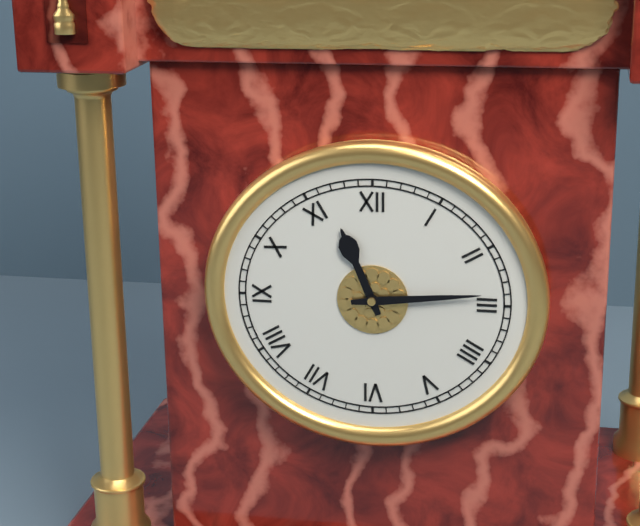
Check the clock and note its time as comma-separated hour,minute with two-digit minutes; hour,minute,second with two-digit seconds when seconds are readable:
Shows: 11,14
